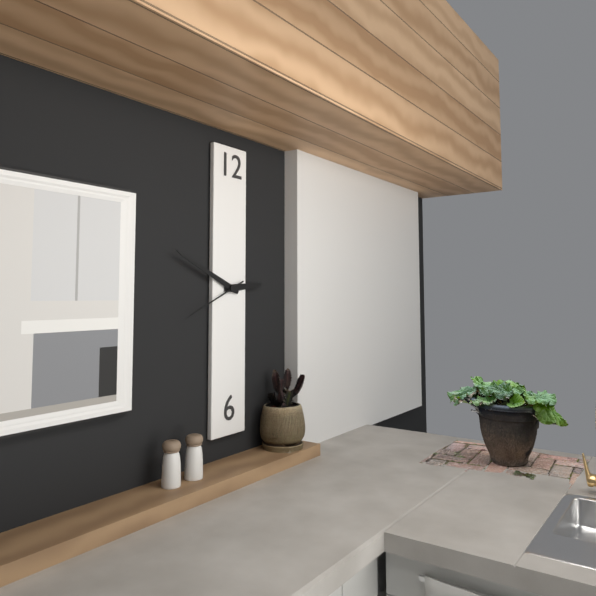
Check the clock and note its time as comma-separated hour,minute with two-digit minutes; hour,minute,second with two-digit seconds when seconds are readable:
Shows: 2,49,41
